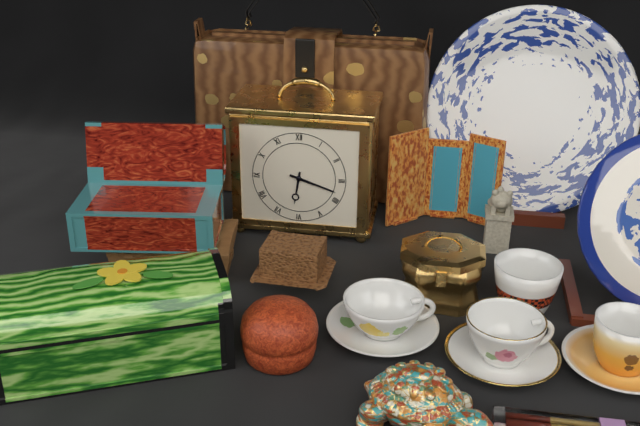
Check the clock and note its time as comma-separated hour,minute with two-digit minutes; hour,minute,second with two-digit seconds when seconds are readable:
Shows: 6,18
